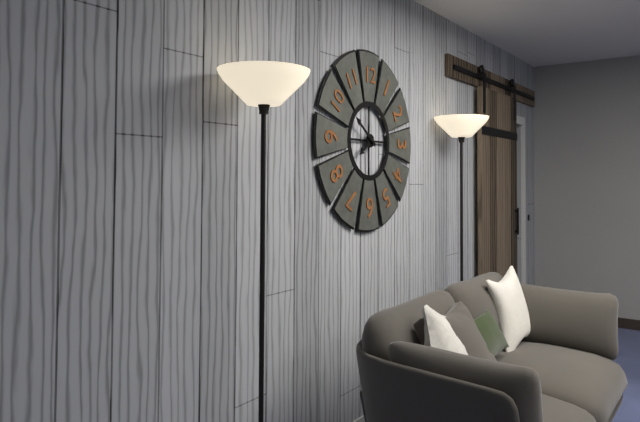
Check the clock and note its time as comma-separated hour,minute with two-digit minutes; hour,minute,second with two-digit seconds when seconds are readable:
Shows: 7,51
